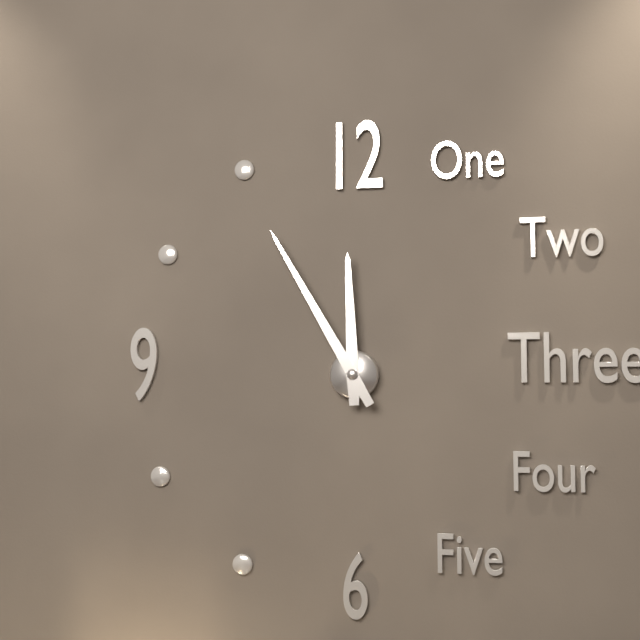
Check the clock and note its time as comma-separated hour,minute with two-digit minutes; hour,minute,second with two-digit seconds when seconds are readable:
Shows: 11,55
